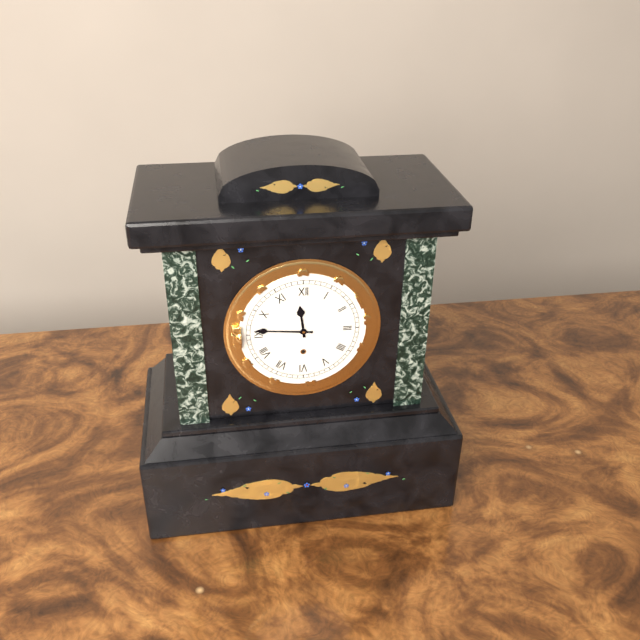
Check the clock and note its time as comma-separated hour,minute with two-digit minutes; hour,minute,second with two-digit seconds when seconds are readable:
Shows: 11,46
